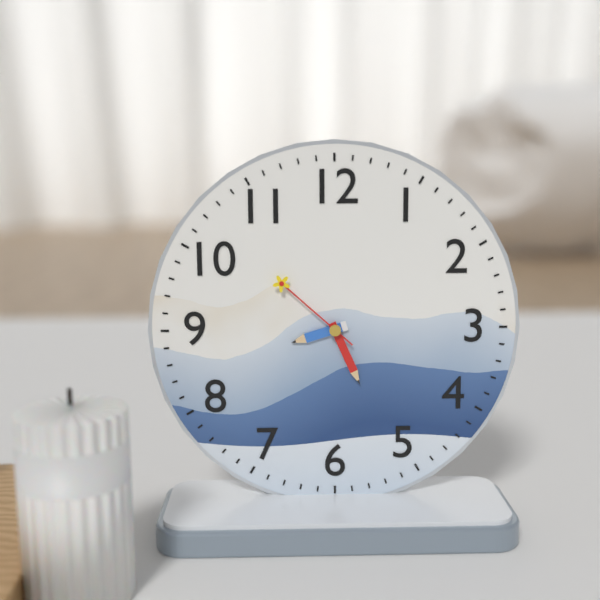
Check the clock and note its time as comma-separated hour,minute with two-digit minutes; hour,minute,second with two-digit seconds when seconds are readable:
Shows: 8,26,52
